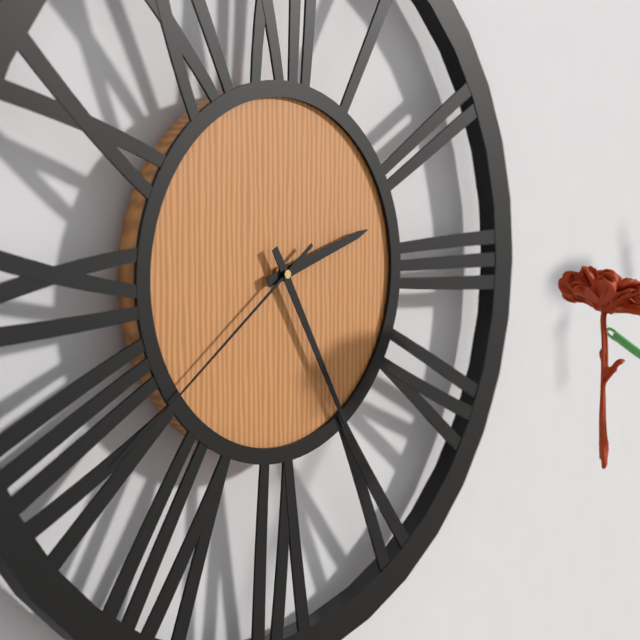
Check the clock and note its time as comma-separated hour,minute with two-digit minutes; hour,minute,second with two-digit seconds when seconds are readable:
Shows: 2,25,39
